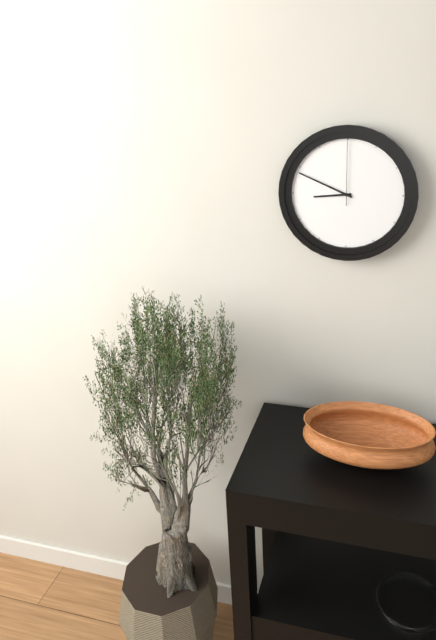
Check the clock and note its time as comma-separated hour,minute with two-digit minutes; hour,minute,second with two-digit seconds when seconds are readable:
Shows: 8,49,00
